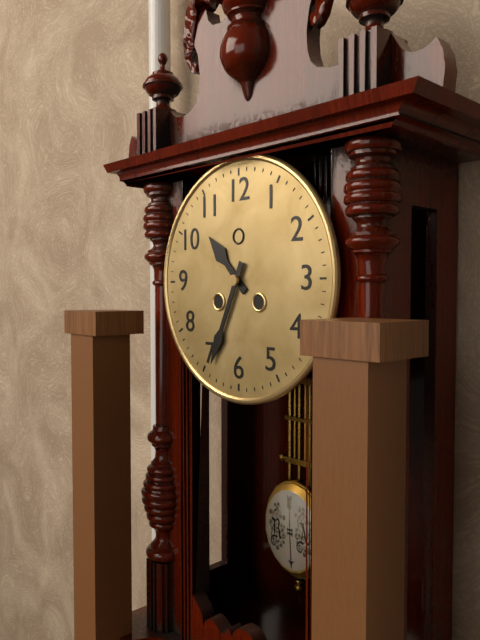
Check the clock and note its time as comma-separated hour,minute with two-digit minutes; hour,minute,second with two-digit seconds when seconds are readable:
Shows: 10,34
